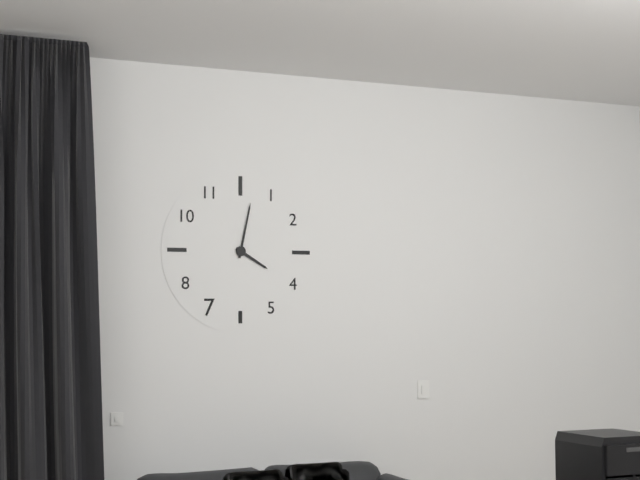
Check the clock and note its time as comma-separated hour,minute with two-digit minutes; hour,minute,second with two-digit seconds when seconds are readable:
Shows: 4,02
